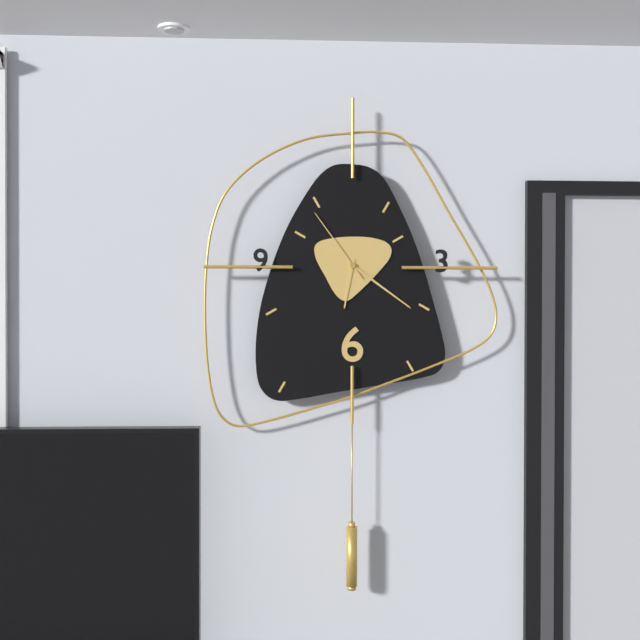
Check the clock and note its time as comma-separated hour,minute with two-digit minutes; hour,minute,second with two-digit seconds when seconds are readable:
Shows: 6,21,54
